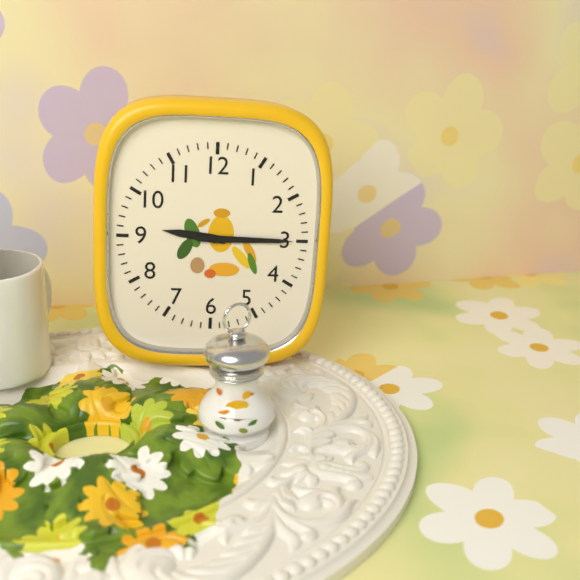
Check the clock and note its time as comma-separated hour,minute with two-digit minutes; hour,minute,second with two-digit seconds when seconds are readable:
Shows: 9,15
